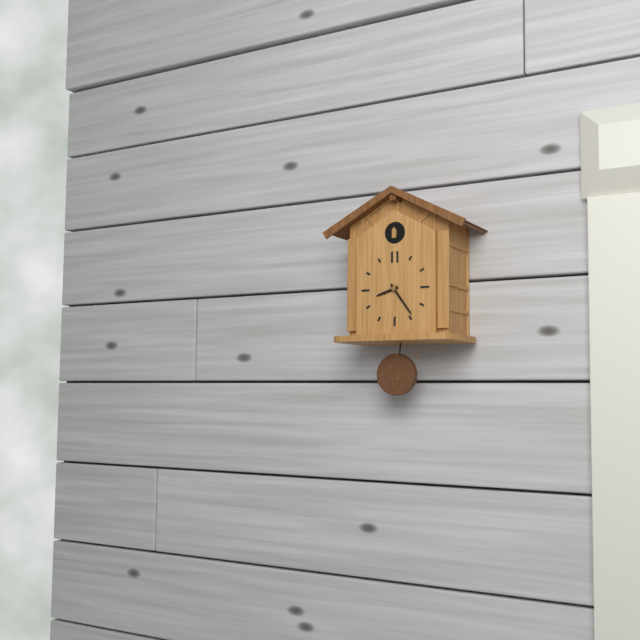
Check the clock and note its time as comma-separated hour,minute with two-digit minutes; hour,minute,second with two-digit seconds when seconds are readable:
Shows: 8,24
